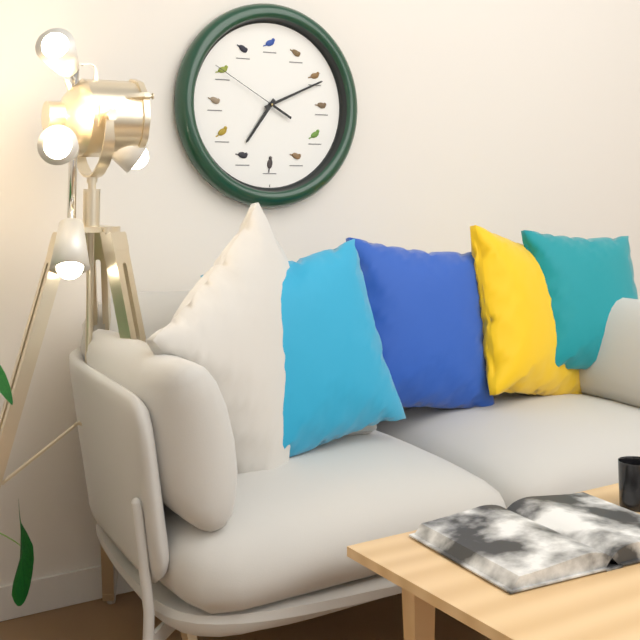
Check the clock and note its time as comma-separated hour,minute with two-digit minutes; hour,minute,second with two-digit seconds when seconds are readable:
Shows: 7,11,50
